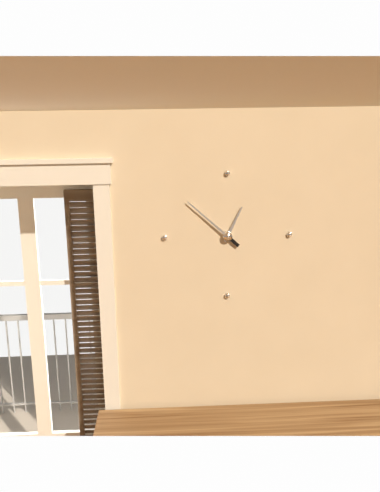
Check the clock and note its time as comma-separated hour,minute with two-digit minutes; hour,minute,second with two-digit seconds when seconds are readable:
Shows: 12,52
